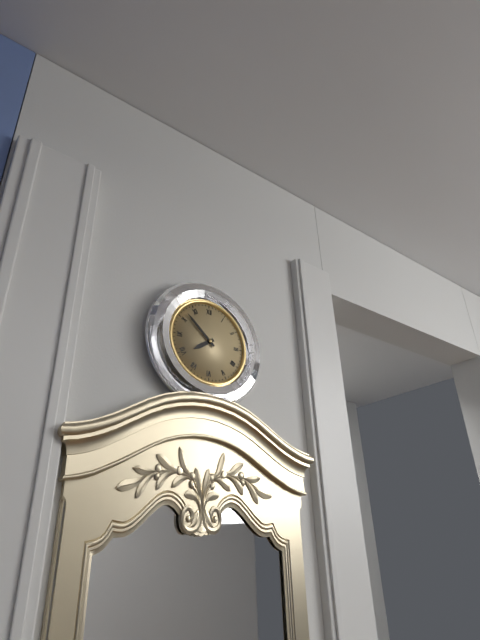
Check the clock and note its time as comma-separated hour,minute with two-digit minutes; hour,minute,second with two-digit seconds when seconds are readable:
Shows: 7,52
